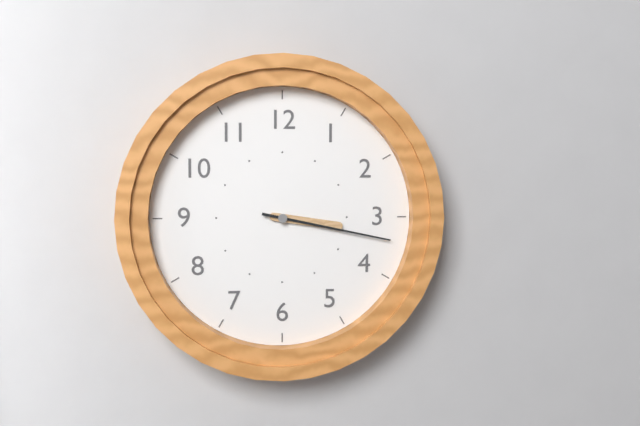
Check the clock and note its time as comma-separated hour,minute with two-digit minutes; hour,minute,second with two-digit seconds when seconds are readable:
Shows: 3,17
